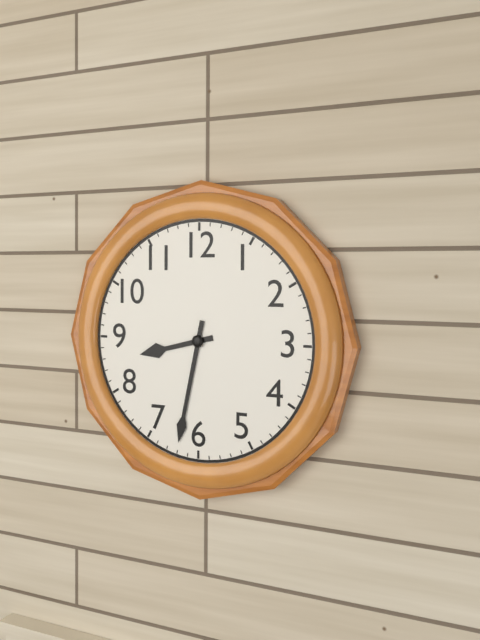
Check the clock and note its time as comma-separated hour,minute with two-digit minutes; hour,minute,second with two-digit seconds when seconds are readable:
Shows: 8,32
